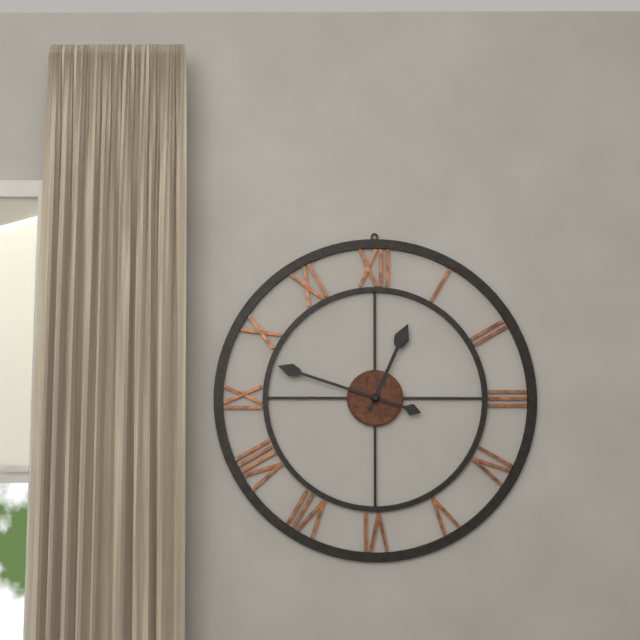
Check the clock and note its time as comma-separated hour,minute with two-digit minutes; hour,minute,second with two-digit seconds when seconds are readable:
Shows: 12,48
